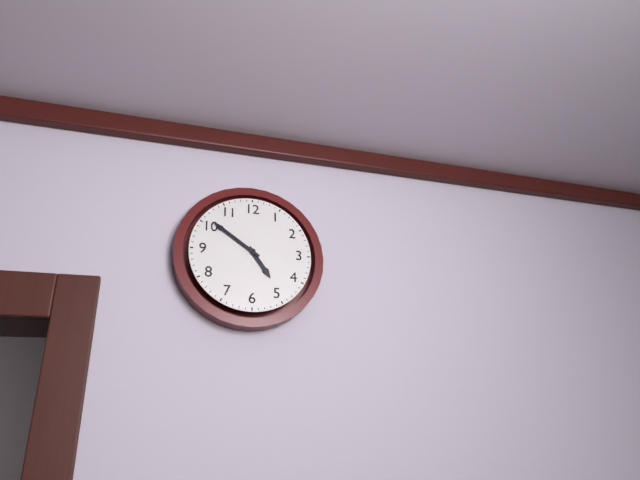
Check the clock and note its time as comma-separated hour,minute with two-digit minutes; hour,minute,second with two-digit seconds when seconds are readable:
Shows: 4,51
